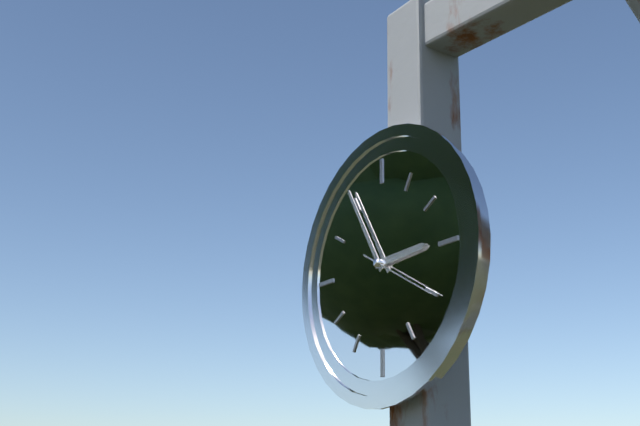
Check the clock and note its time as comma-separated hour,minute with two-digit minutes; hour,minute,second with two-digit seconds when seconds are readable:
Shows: 2,55,20
